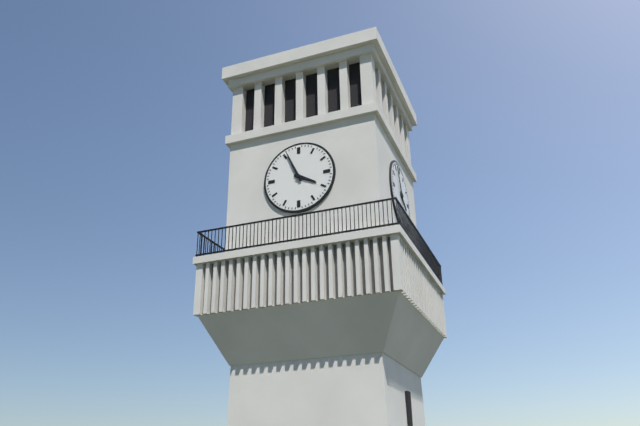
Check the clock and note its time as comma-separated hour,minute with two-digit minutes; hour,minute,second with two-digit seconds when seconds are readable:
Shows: 3,56
